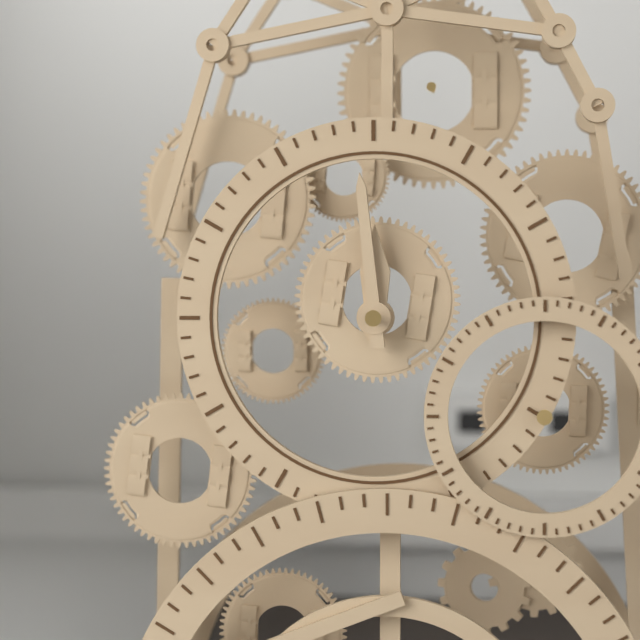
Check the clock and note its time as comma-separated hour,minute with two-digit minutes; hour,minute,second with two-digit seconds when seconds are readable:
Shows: 11,59
